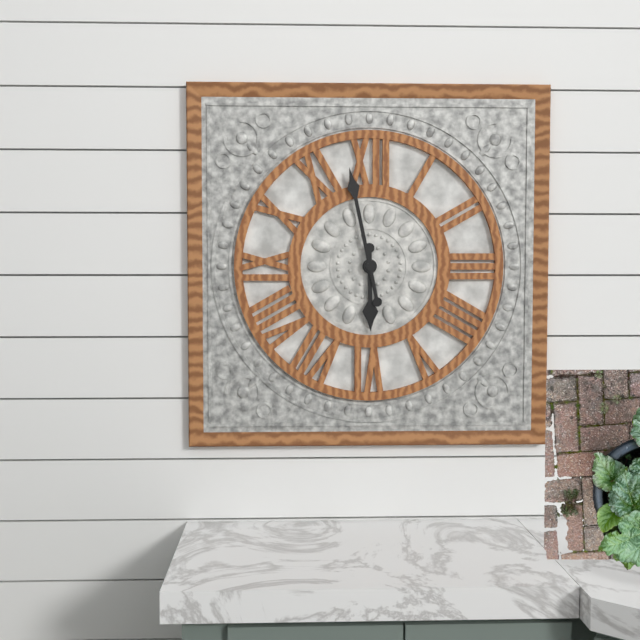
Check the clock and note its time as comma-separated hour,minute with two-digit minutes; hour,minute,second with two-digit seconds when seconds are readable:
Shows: 5,58
